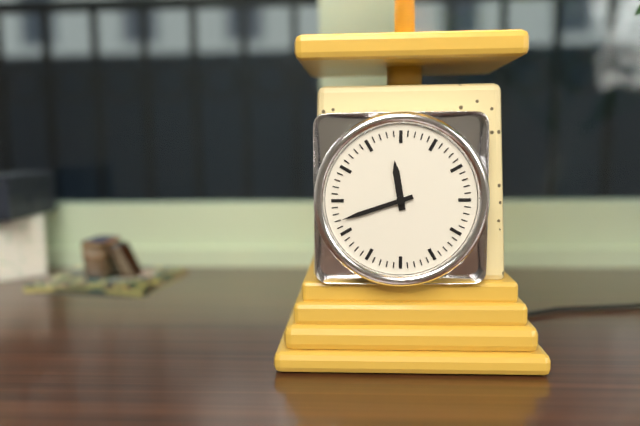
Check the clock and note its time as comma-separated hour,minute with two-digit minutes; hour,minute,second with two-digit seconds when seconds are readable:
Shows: 11,42
